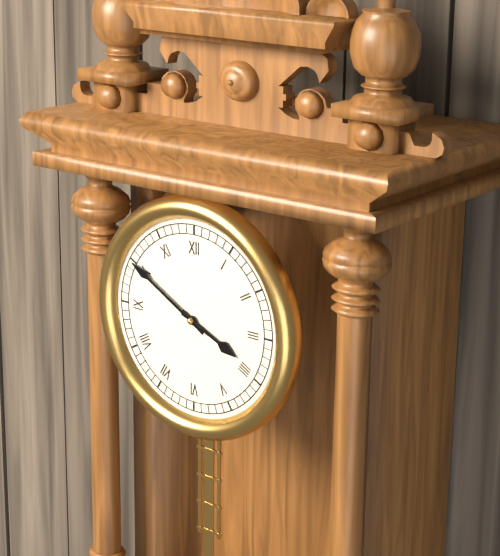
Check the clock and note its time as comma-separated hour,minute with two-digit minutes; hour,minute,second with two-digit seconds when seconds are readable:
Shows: 3,50
